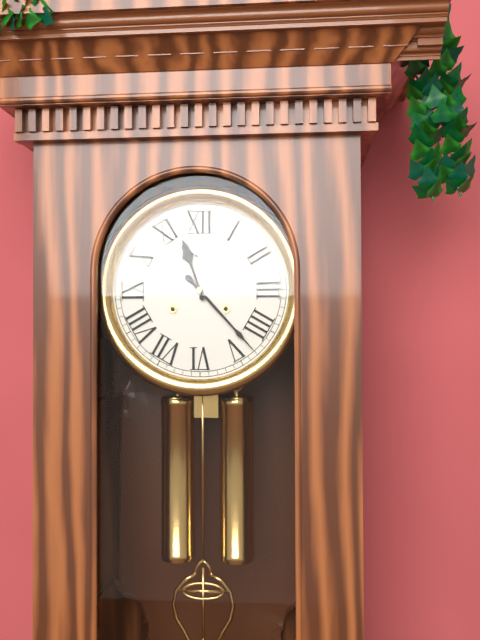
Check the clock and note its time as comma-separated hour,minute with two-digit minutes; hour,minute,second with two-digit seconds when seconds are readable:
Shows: 11,23
